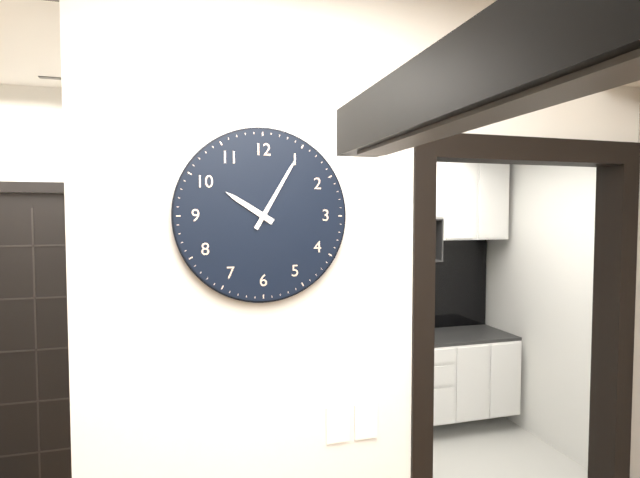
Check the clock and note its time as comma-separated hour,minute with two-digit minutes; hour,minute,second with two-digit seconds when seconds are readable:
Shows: 10,05
